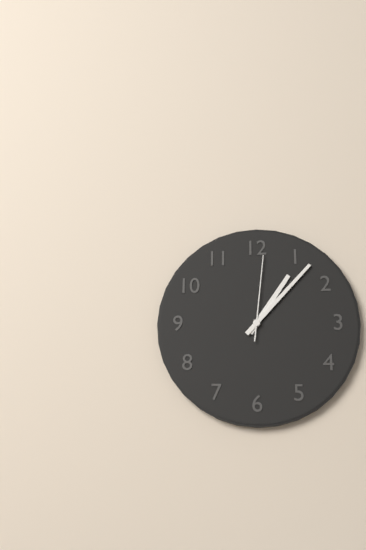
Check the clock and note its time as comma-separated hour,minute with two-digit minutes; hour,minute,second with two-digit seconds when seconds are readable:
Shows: 1,07,01
